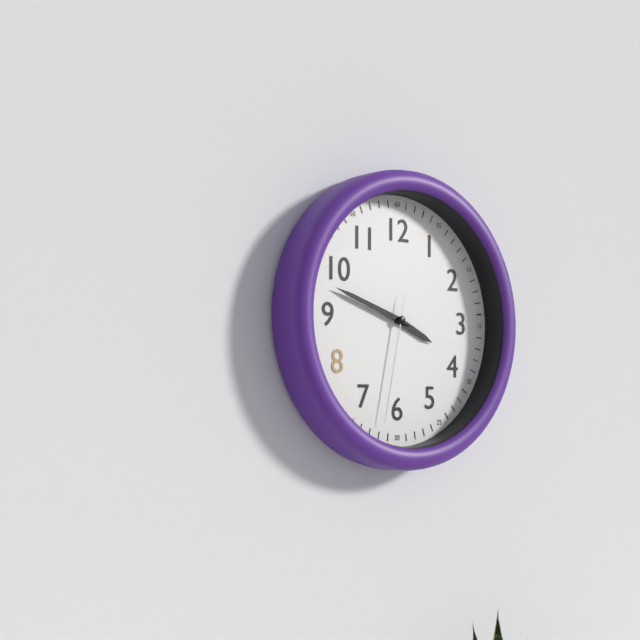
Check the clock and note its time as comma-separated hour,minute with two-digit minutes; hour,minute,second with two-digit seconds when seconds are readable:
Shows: 3,48,32
